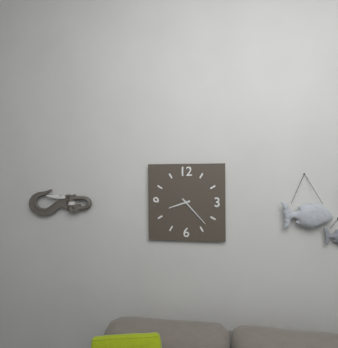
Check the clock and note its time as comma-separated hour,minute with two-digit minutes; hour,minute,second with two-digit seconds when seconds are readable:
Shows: 8,23
